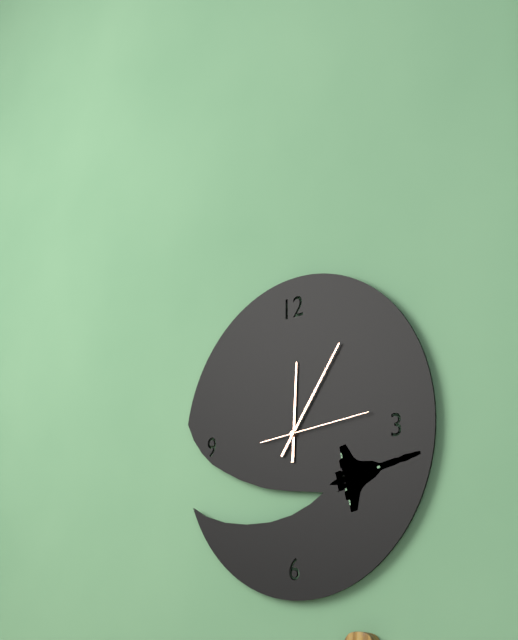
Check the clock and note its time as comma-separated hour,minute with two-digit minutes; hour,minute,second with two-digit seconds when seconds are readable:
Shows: 12,06,14
